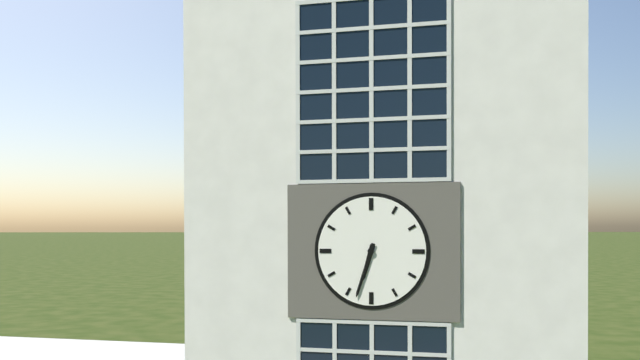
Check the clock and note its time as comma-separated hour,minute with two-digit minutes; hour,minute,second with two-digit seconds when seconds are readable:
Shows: 6,33
